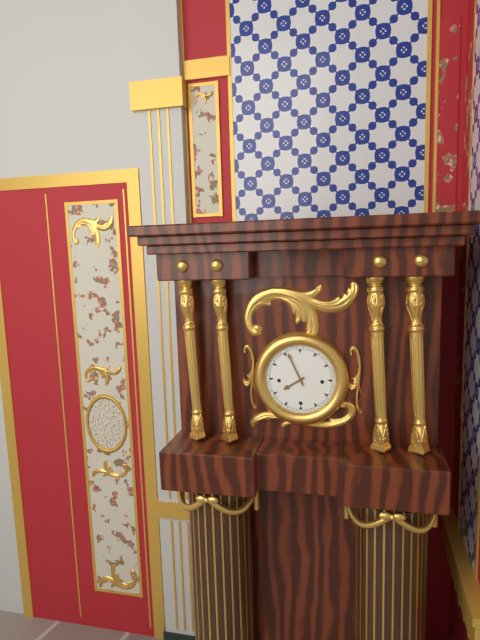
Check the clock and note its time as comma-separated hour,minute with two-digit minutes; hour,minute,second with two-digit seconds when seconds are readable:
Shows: 7,56
